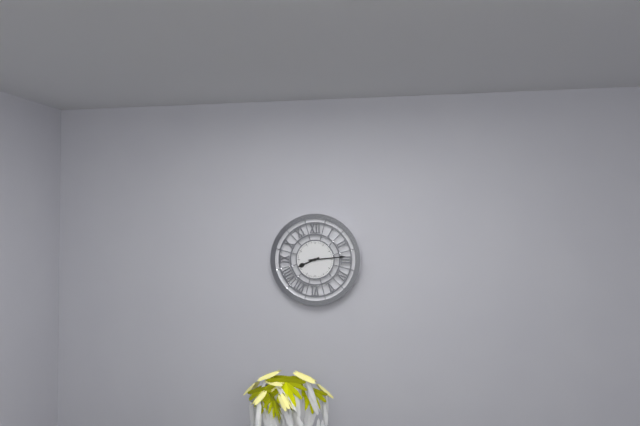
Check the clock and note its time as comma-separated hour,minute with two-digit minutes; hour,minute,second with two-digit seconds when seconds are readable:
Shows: 8,14
